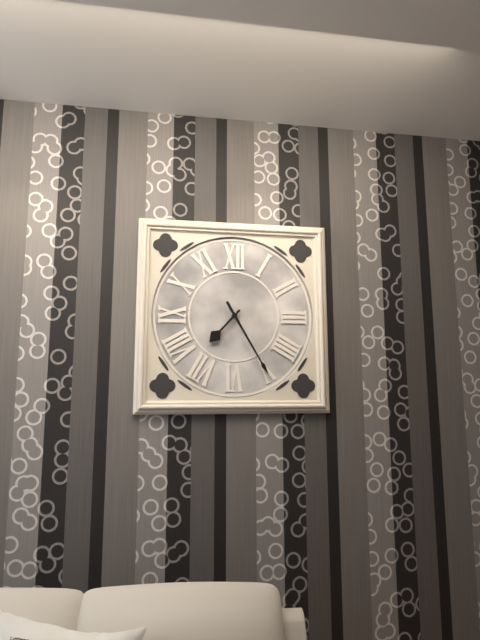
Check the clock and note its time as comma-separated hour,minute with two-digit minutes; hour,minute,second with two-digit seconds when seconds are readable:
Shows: 7,25
